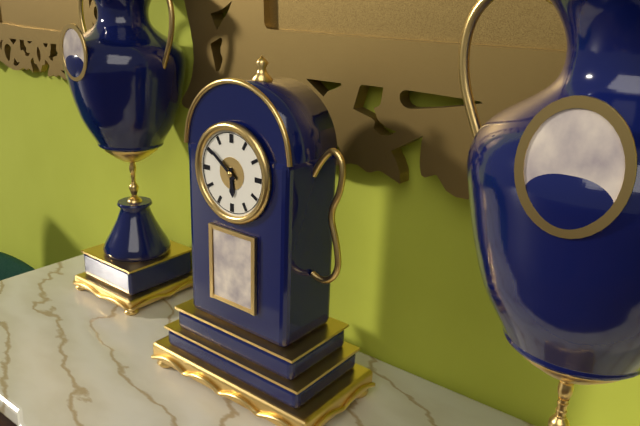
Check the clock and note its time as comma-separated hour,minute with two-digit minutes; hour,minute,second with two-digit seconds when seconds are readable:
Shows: 5,51
